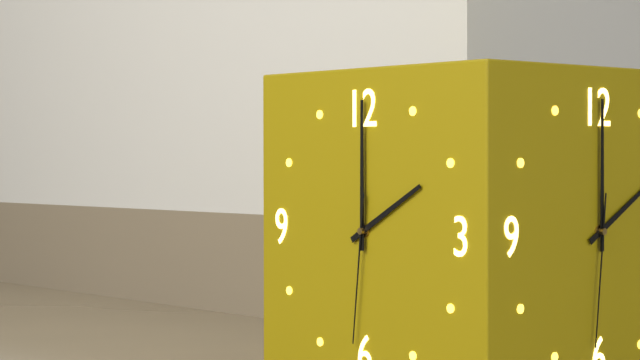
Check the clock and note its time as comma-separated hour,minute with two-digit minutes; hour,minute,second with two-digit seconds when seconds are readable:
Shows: 2,00,31
